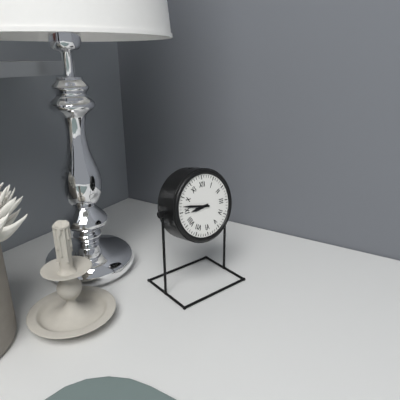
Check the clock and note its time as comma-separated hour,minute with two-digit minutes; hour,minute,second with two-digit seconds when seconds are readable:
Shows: 8,47
